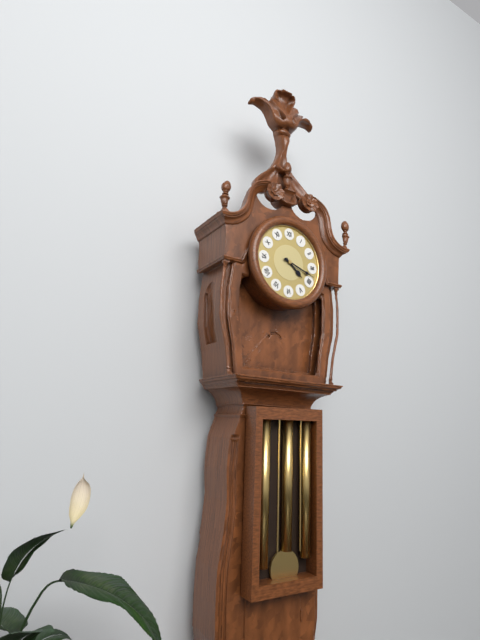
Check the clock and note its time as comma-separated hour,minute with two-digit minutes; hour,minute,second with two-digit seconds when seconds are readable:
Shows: 4,18
